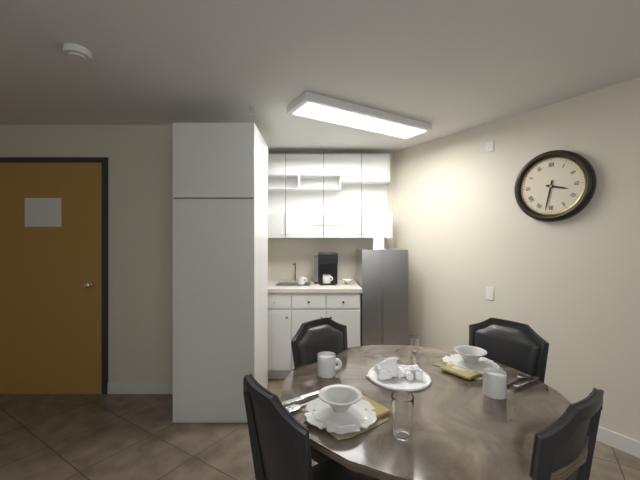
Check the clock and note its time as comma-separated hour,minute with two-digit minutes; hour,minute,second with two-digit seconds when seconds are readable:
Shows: 3,32
